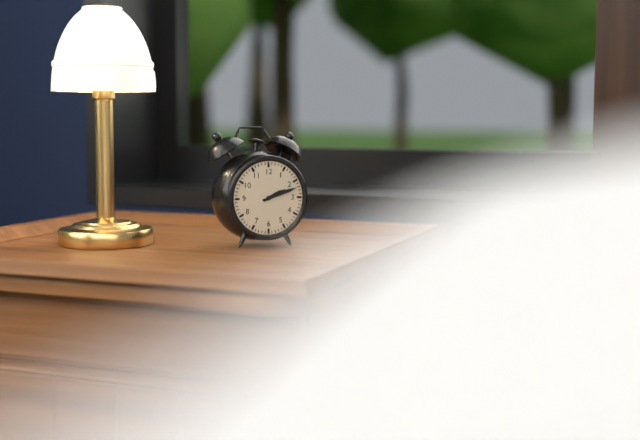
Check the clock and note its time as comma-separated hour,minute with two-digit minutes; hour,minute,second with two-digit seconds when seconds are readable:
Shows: 2,12
